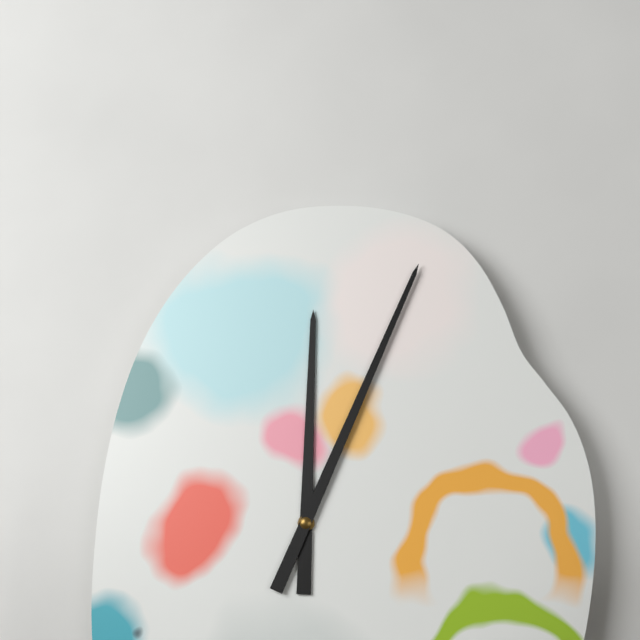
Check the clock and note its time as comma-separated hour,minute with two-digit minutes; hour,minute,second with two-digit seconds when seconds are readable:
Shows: 12,04
